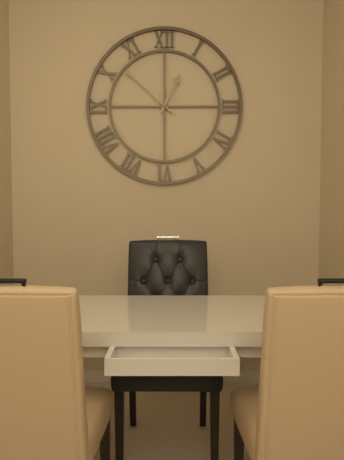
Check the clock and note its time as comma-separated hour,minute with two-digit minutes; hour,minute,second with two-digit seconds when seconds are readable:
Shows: 12,52
